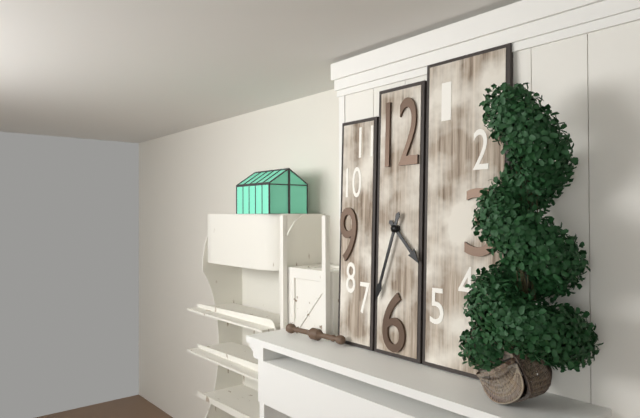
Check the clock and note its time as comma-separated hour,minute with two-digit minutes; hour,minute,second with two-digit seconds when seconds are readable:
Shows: 4,33
